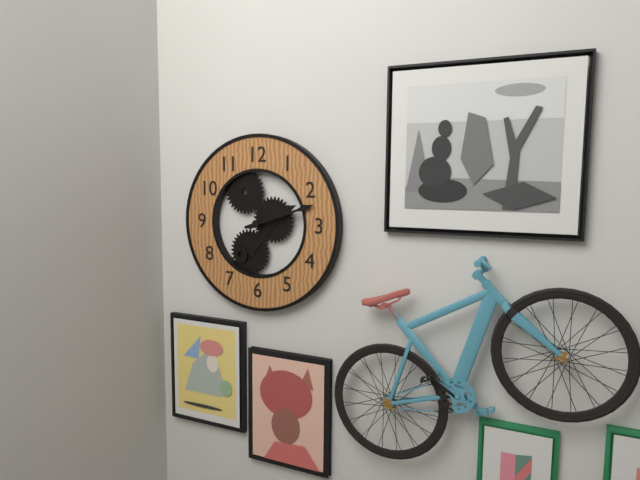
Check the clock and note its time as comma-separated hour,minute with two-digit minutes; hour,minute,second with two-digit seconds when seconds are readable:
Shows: 2,12
